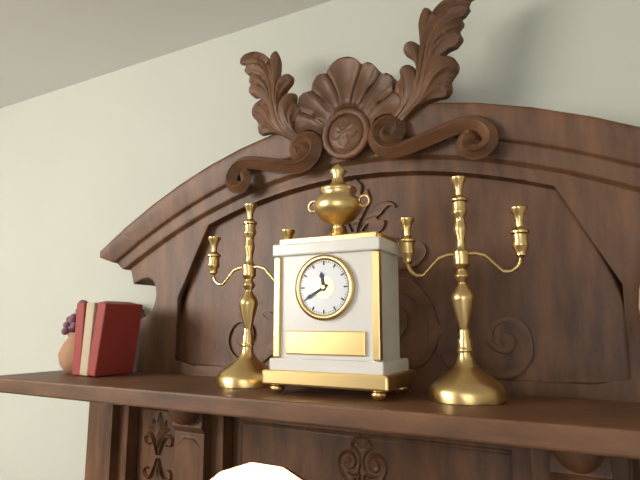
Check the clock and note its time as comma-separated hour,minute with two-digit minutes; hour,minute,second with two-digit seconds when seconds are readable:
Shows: 11,40
